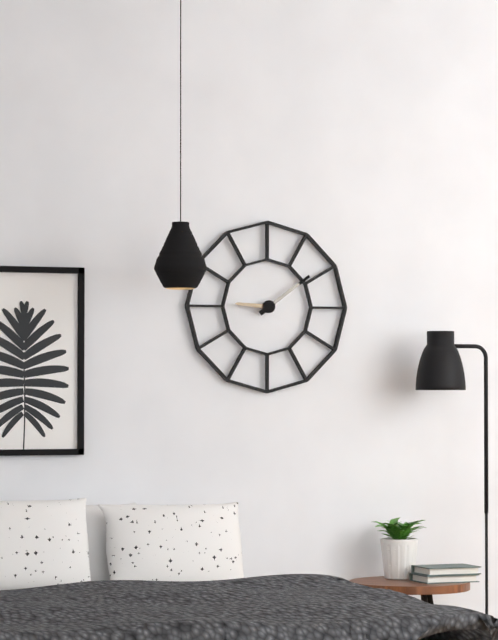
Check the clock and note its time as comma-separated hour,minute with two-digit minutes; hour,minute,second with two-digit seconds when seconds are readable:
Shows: 9,09
